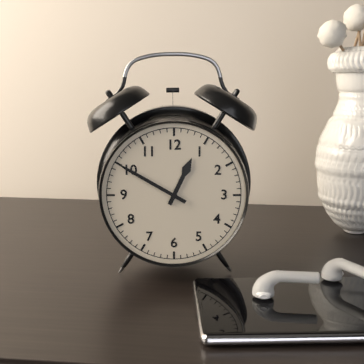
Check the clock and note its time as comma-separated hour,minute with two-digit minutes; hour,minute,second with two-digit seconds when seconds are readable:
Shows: 12,50
